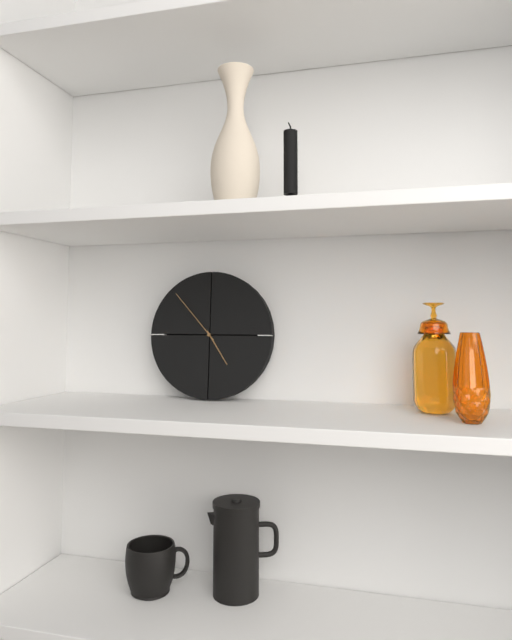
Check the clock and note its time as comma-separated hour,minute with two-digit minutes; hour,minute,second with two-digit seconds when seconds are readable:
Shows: 4,53
